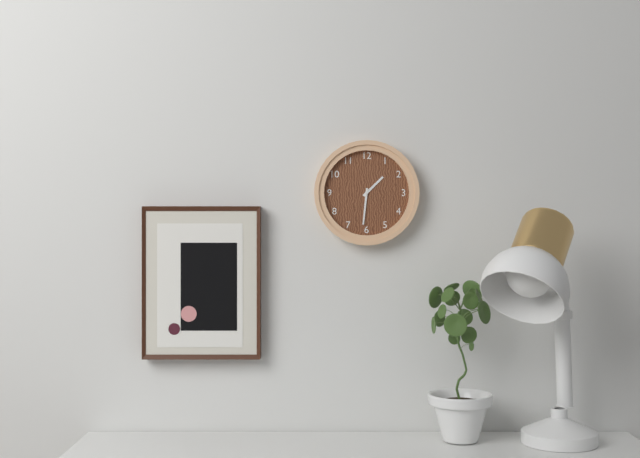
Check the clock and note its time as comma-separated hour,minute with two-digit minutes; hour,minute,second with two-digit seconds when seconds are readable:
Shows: 1,31
